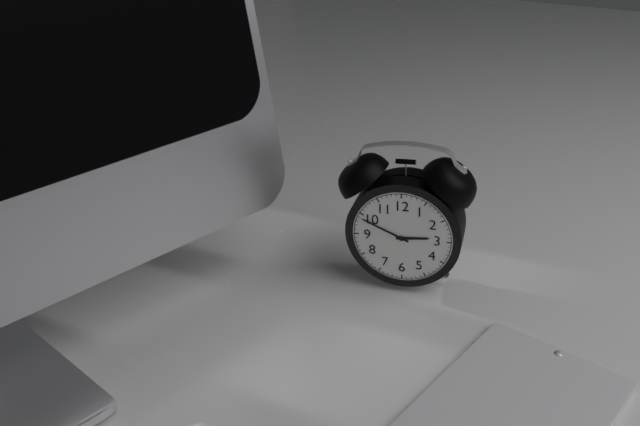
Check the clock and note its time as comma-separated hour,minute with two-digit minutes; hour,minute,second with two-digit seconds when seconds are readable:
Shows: 2,49
